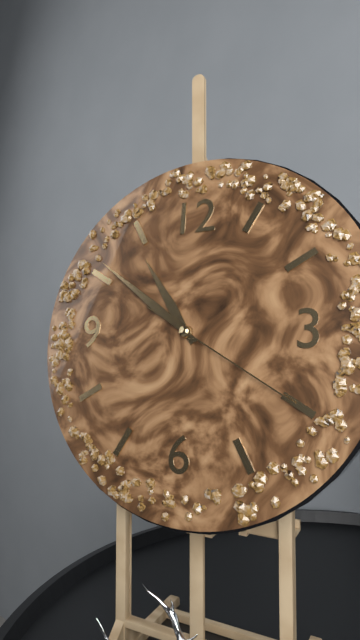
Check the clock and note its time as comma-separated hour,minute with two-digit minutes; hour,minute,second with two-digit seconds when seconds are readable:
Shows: 10,51,20
